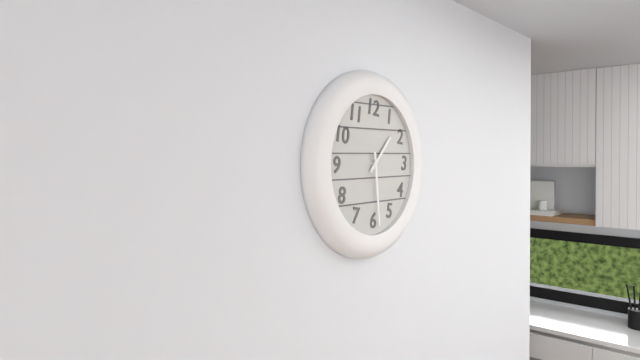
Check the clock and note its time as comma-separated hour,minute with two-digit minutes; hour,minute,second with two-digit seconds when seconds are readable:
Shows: 1,29
